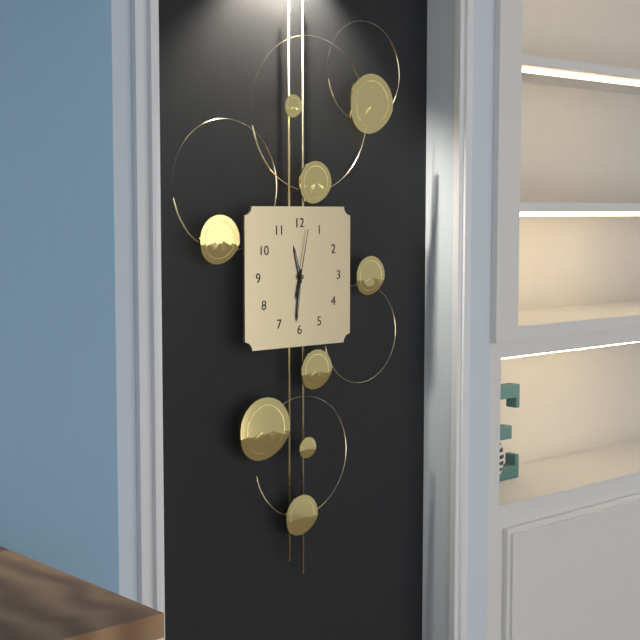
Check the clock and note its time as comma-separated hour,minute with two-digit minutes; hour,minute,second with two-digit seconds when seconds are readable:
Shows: 11,31,02
